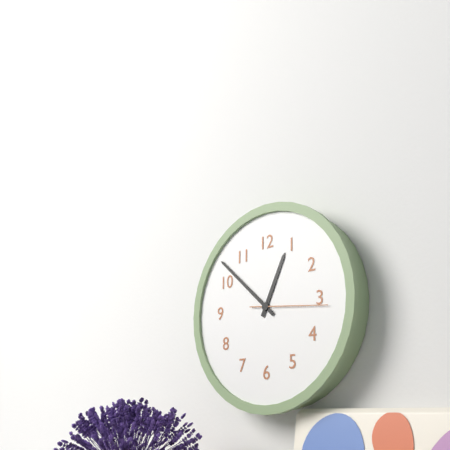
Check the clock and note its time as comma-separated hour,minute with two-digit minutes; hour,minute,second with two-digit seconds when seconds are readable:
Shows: 12,52,16
